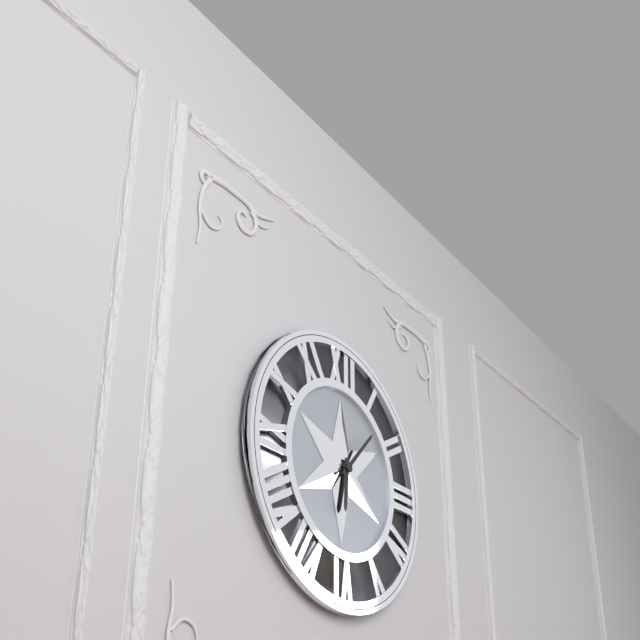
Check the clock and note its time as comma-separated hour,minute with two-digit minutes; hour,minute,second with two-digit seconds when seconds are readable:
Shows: 6,07
